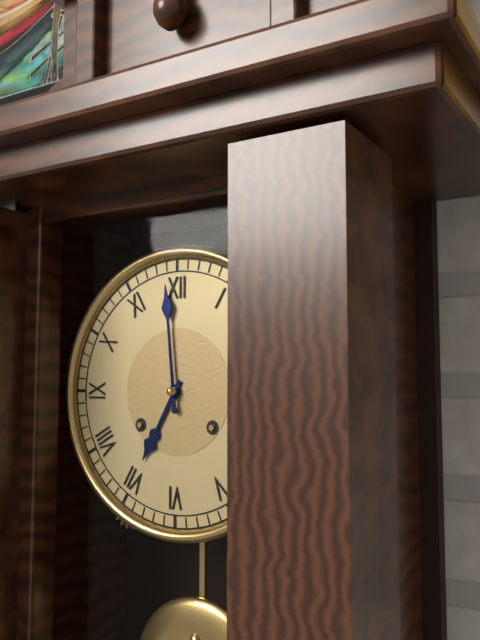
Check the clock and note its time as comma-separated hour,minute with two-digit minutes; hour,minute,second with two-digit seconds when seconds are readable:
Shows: 6,59
